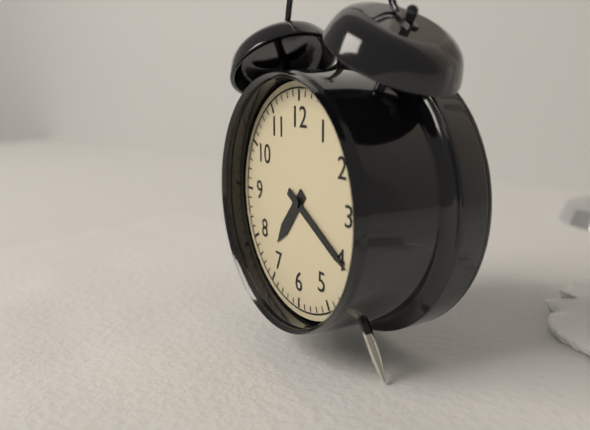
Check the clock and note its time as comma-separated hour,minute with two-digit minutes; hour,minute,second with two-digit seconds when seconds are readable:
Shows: 7,20
